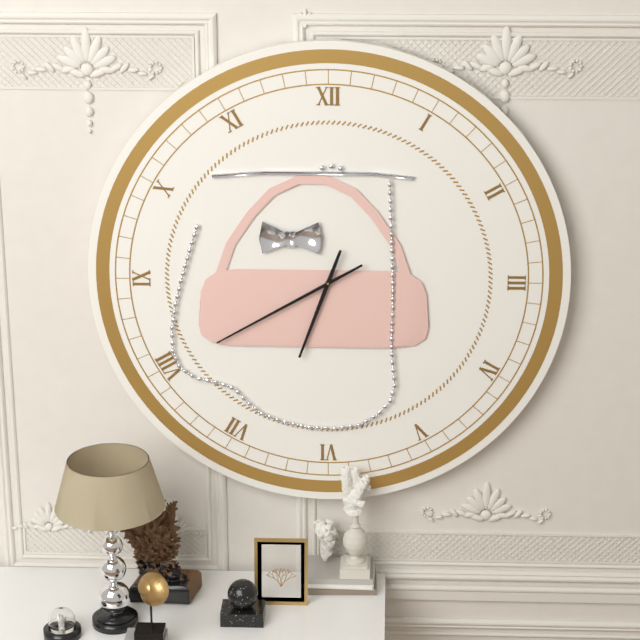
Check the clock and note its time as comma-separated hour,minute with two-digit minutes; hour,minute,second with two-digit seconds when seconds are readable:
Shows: 6,40
